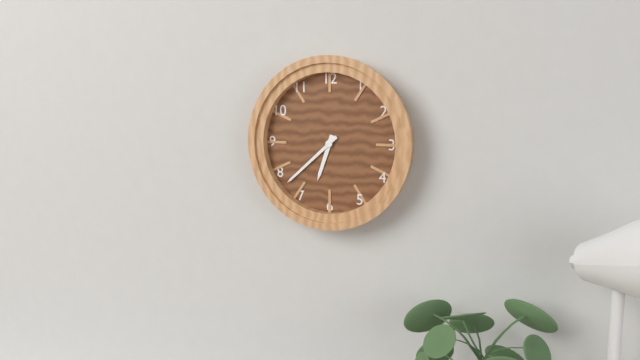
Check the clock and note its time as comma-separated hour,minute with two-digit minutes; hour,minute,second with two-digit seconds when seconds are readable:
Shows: 6,38
